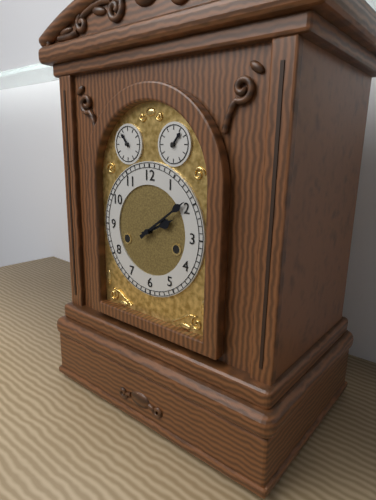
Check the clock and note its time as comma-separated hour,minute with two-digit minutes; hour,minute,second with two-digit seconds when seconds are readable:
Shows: 2,09
